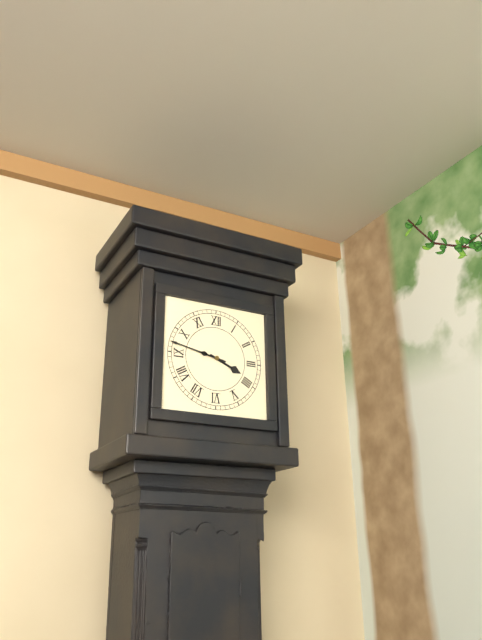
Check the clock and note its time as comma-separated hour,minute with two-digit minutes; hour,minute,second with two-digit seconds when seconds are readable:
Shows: 3,47
